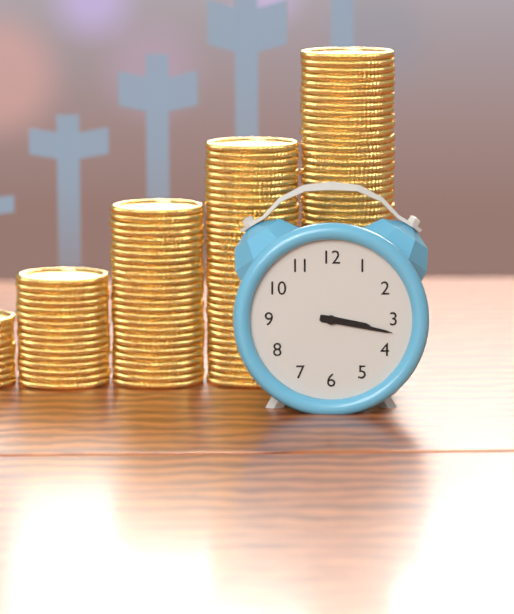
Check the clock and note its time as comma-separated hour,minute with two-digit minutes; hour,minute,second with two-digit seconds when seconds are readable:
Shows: 3,17
